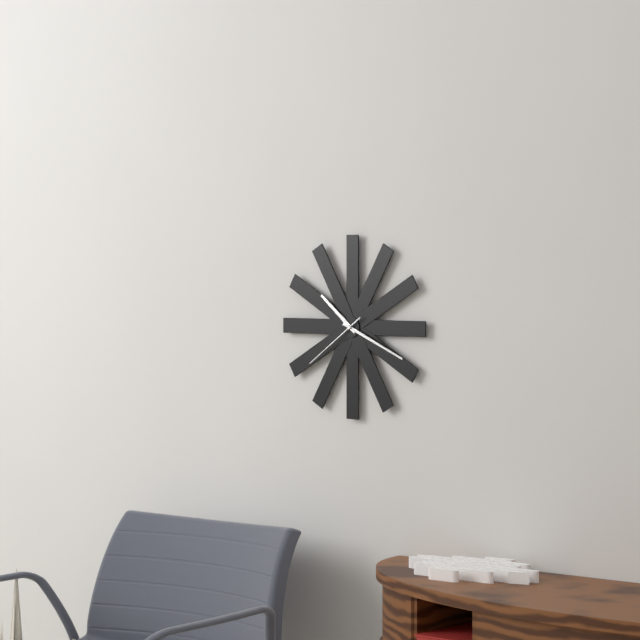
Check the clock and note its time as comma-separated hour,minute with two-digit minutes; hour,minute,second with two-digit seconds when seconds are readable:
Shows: 10,19,39
